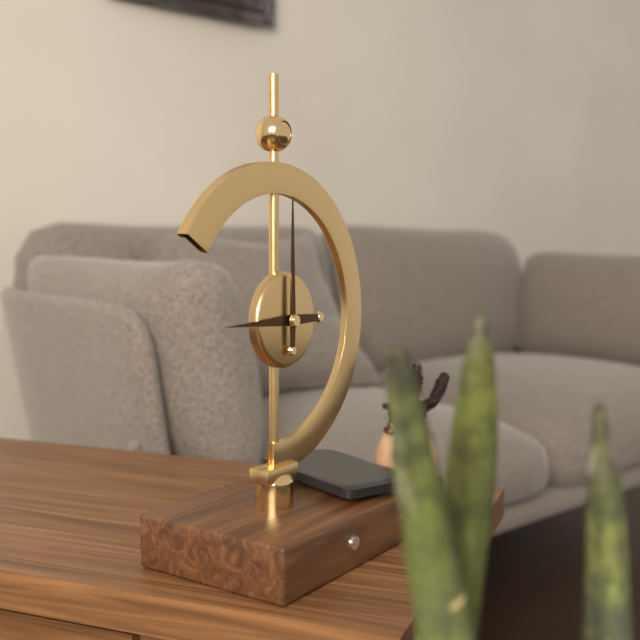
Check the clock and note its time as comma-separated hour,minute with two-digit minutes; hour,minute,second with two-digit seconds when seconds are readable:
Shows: 9,00
